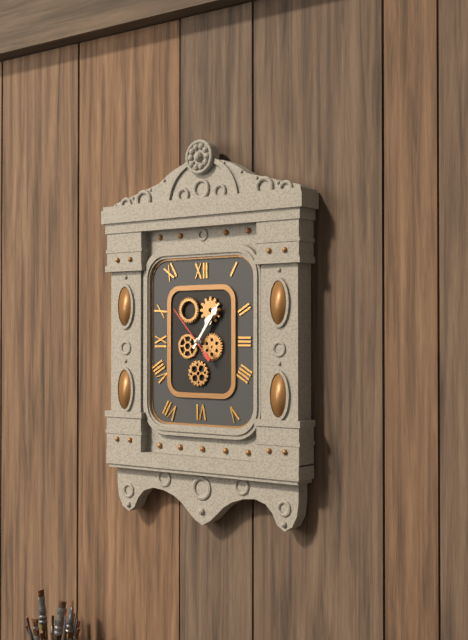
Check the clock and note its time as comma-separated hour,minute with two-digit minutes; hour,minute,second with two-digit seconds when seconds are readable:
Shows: 1,06,53
